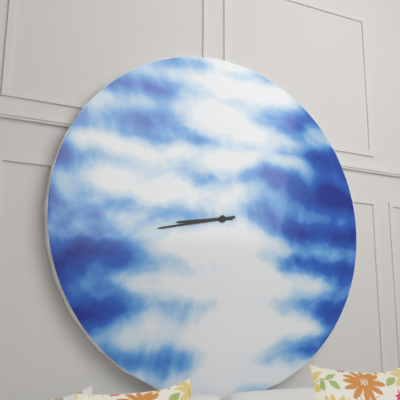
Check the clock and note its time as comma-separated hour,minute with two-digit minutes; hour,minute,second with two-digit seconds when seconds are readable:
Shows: 8,43
